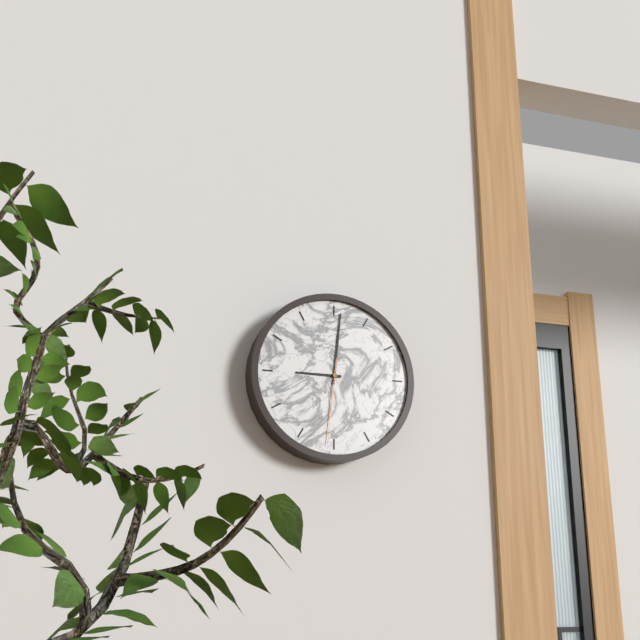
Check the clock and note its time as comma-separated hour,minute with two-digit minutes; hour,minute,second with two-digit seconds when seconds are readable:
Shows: 9,01,31
